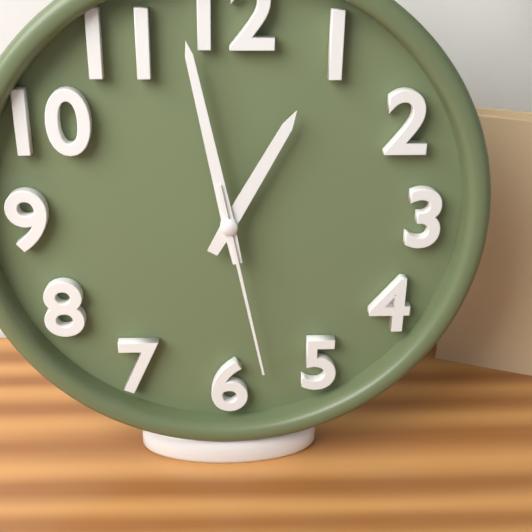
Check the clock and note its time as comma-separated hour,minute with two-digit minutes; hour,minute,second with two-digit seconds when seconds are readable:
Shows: 12,58,28
